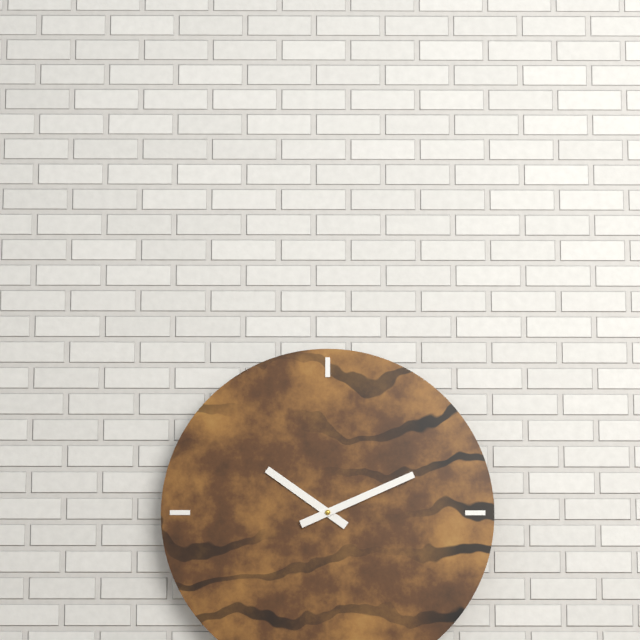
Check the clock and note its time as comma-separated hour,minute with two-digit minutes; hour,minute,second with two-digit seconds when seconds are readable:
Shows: 10,11
